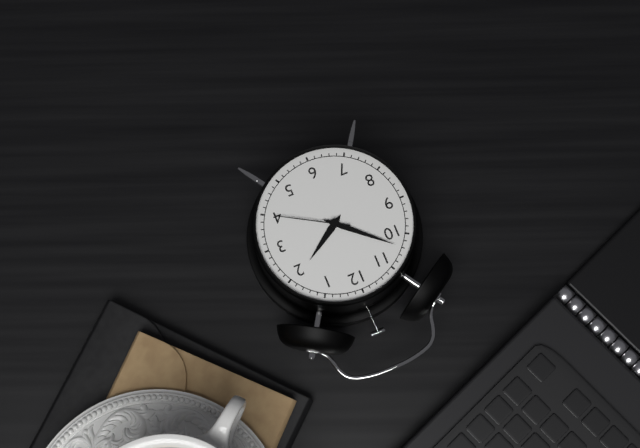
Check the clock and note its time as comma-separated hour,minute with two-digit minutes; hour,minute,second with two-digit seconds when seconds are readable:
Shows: 1,52,20
